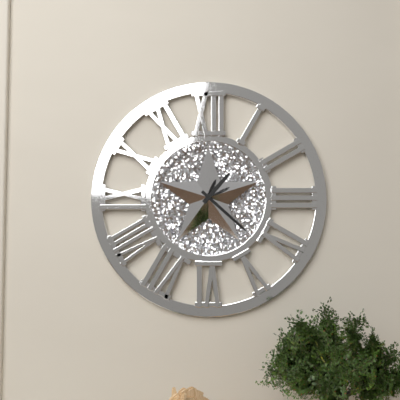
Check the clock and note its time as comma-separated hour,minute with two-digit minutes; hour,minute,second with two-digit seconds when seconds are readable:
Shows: 1,22
